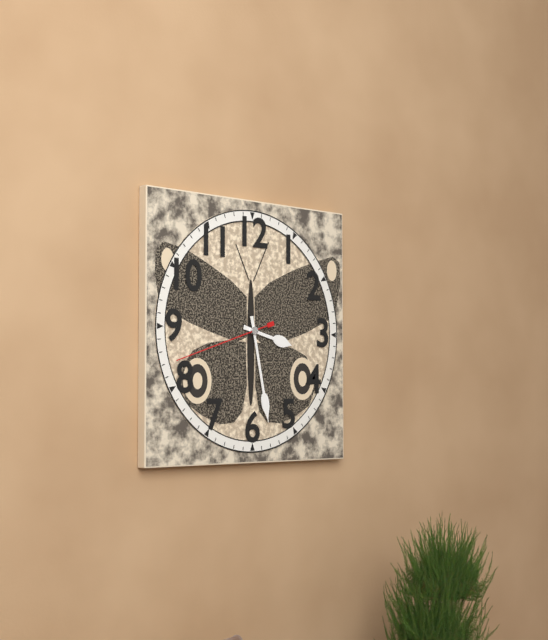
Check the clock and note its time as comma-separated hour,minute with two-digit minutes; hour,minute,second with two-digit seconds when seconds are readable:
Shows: 3,28,42
